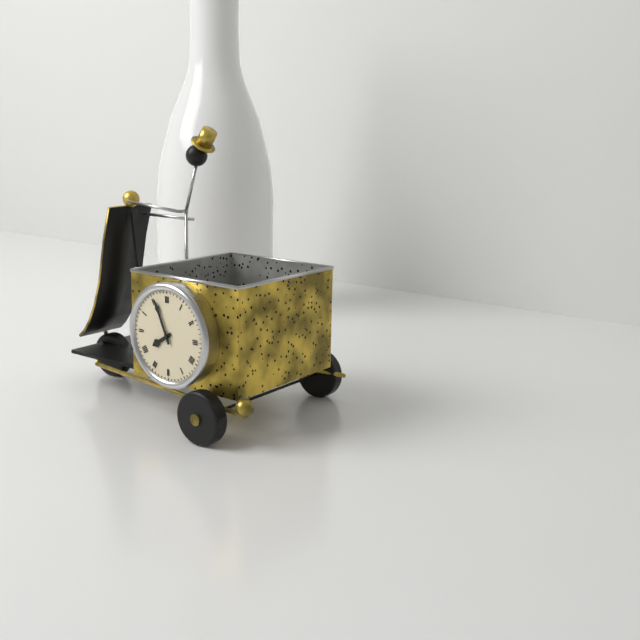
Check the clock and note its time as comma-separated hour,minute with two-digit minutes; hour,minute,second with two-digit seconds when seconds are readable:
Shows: 7,56
